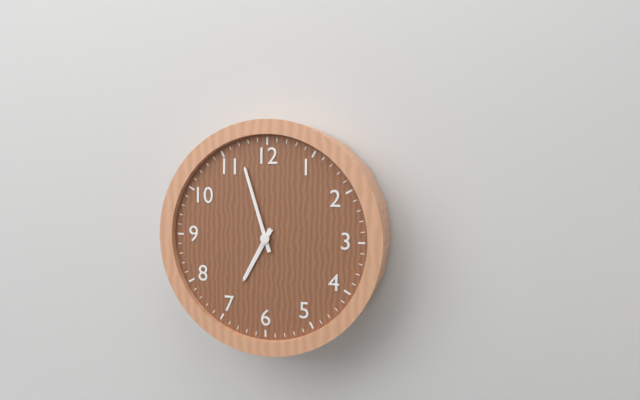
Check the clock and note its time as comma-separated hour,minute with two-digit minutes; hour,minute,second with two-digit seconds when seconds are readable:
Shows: 6,57
